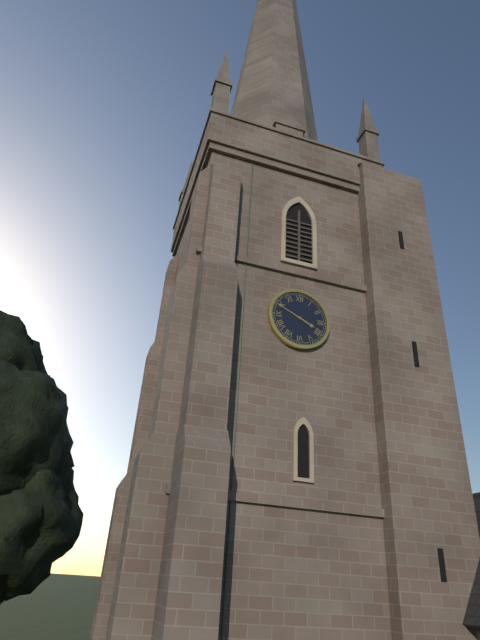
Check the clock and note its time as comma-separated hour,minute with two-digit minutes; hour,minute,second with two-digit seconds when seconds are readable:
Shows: 3,49
